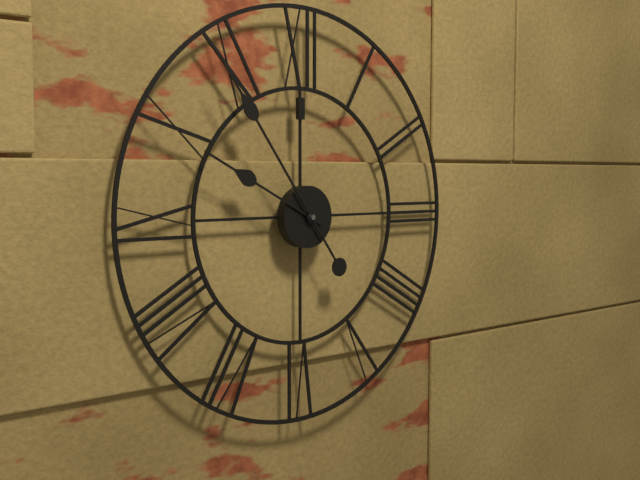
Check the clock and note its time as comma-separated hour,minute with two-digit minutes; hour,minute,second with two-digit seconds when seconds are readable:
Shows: 9,54
